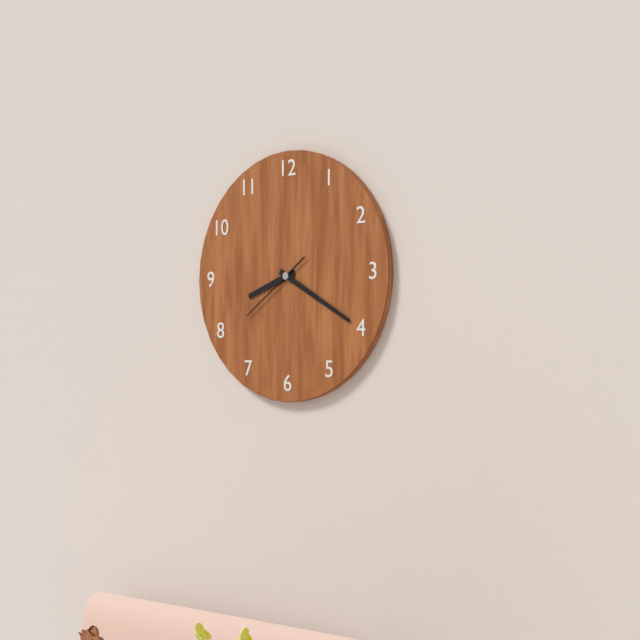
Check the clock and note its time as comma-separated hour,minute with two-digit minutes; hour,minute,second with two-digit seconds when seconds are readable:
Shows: 8,20,39
